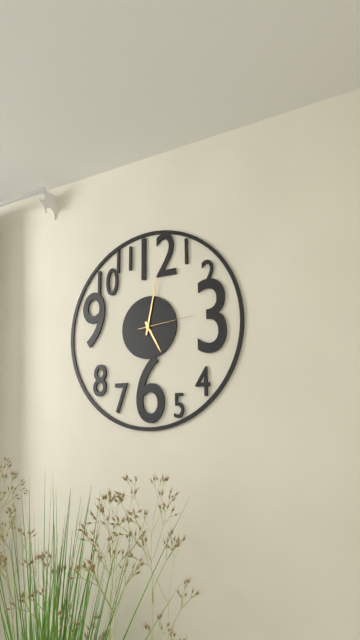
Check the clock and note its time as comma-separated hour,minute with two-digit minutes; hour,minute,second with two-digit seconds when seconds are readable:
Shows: 5,02,14
